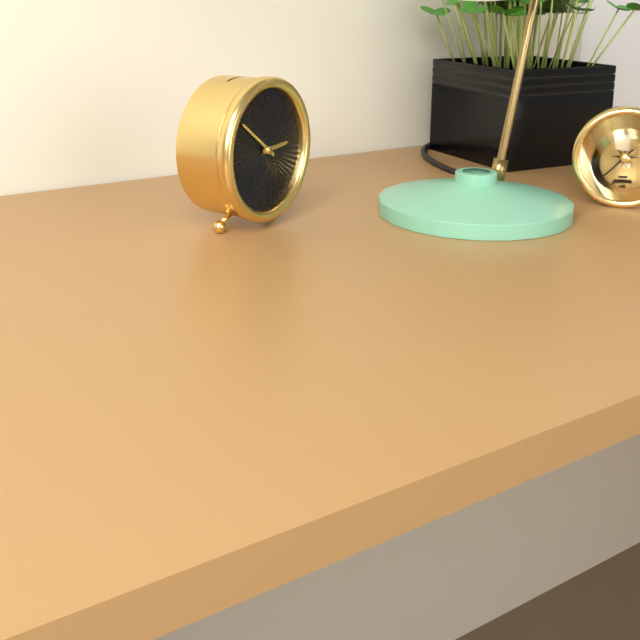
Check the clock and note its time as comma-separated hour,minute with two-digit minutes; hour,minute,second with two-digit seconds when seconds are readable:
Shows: 2,51
